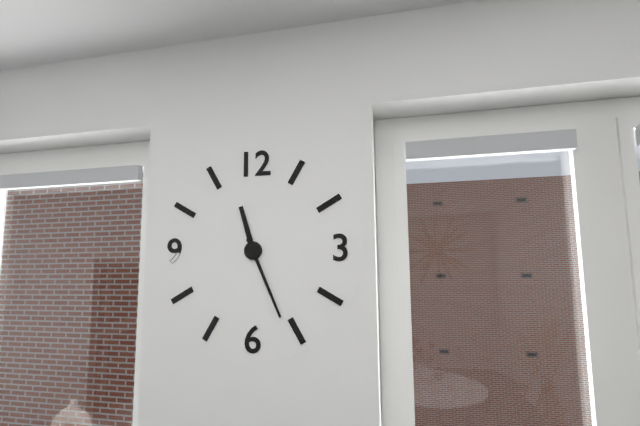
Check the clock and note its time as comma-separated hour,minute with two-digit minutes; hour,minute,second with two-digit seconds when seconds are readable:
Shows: 11,26
